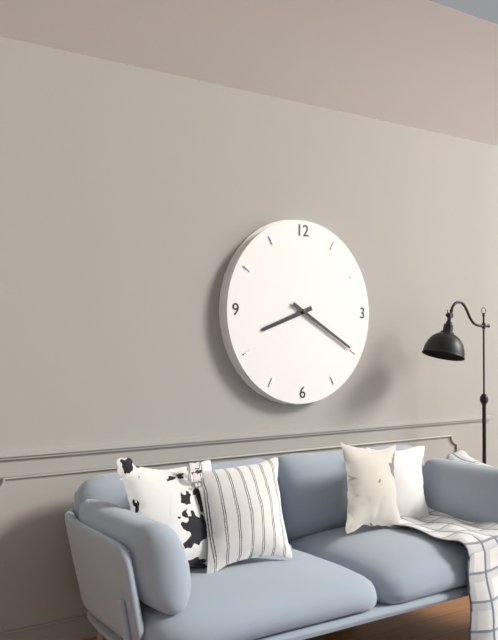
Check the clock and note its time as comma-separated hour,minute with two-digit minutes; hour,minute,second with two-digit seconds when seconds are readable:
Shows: 8,20
